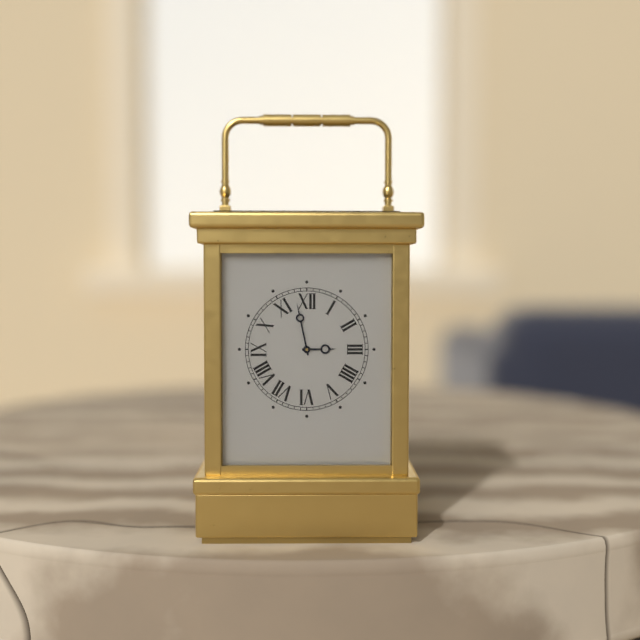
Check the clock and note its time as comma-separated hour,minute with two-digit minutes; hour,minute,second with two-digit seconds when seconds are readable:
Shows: 2,58
